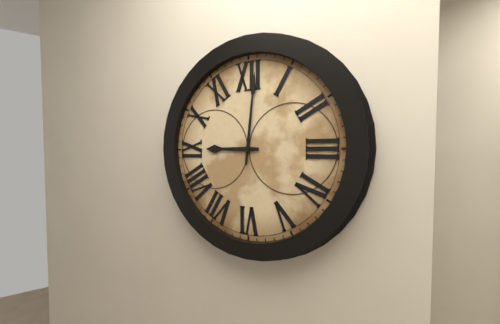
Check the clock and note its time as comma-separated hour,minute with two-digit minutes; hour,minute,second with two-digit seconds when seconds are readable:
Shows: 9,01
